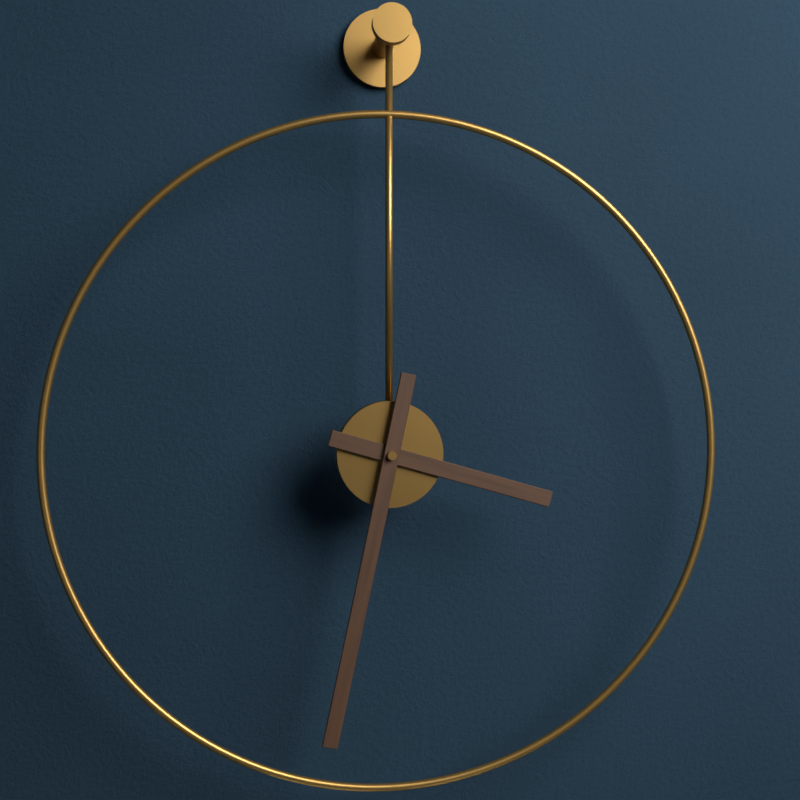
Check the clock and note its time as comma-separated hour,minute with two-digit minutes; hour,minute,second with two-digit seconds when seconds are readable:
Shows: 3,32
